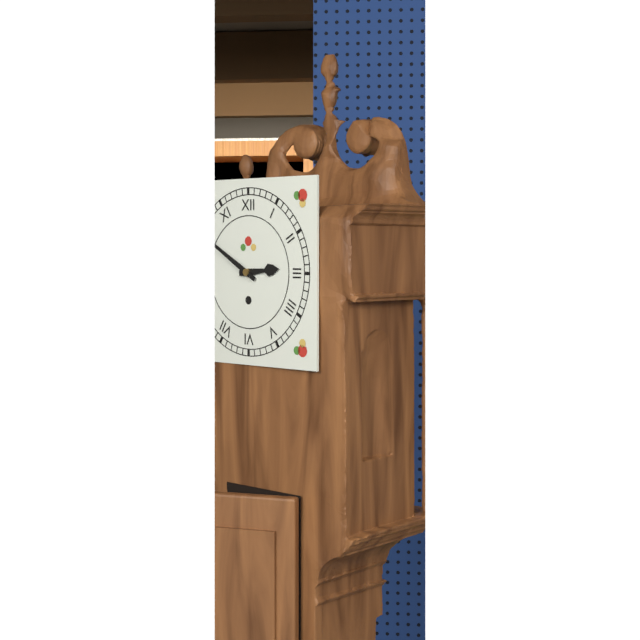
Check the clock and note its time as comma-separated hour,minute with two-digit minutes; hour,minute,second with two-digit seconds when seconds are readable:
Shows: 2,50
